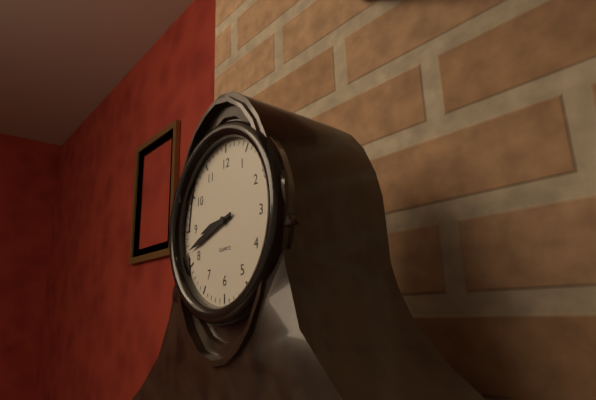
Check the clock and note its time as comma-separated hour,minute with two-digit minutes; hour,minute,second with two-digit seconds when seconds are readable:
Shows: 8,42
